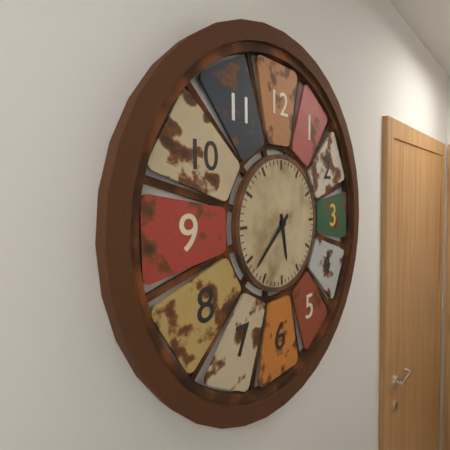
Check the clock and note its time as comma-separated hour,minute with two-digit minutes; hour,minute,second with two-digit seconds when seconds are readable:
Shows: 5,38
